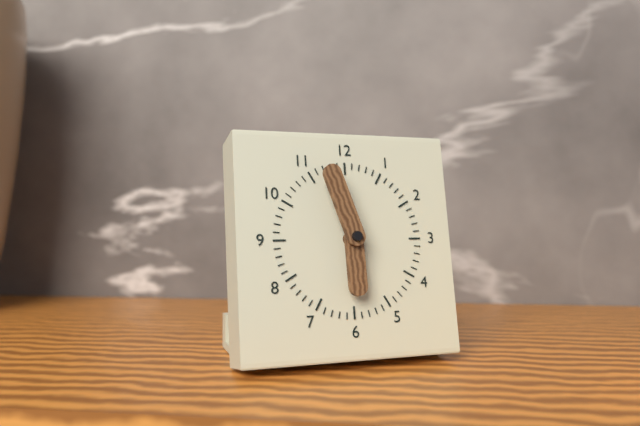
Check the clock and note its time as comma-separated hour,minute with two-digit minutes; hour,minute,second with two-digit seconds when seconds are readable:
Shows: 5,57
